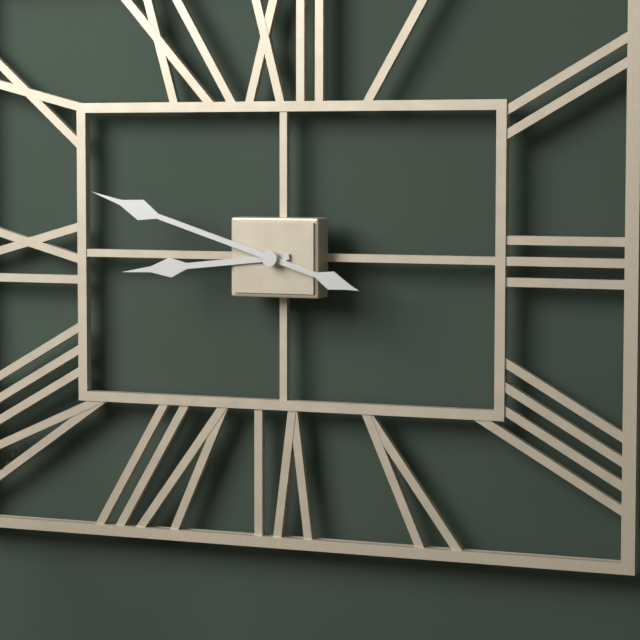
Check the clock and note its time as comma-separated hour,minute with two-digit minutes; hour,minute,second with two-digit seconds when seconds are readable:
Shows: 8,48
